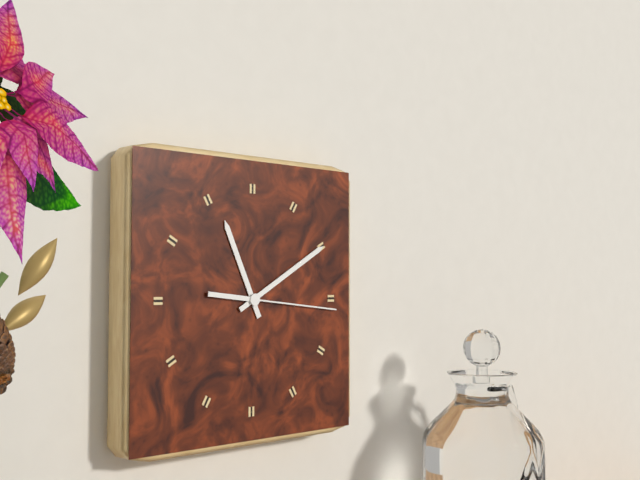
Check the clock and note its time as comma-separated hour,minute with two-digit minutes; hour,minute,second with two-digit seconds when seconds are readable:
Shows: 11,10,16
